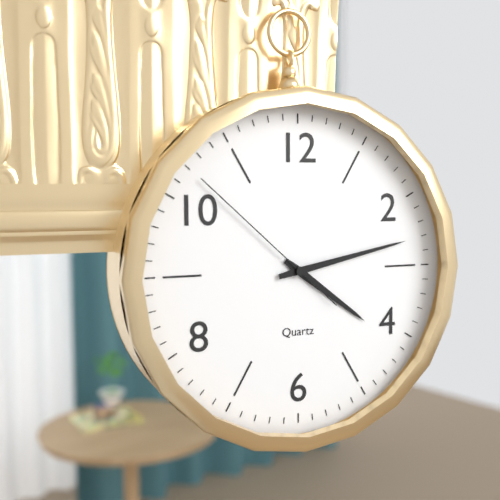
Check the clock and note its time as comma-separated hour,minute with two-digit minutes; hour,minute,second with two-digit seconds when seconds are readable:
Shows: 4,13,52
